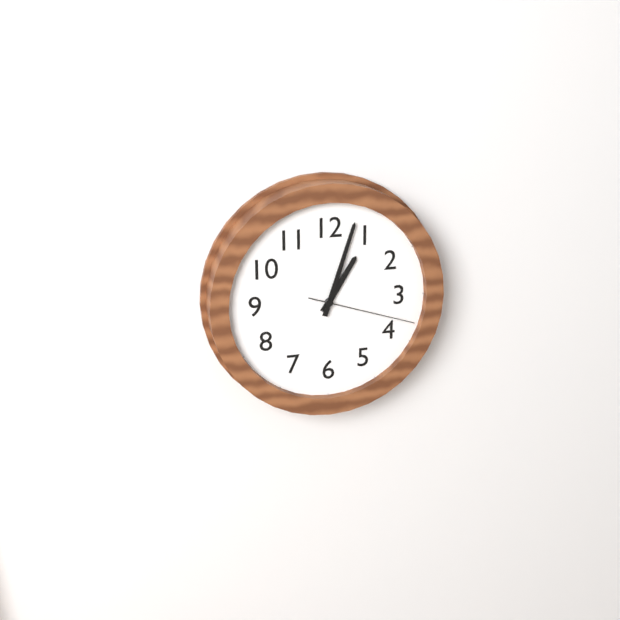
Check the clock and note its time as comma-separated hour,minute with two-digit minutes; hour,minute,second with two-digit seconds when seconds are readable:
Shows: 1,03,18
